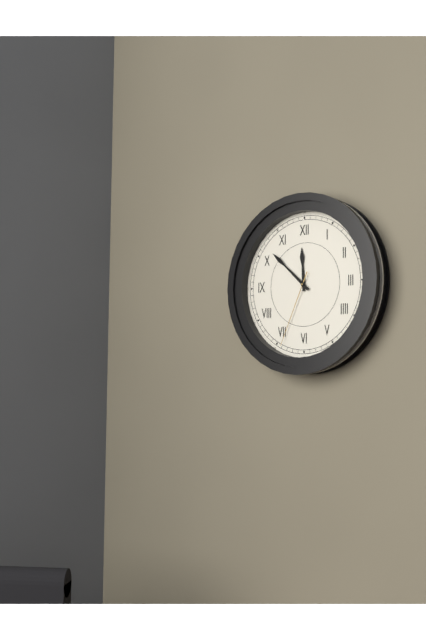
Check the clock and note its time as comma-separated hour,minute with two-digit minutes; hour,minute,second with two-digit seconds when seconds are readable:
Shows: 11,52,34
